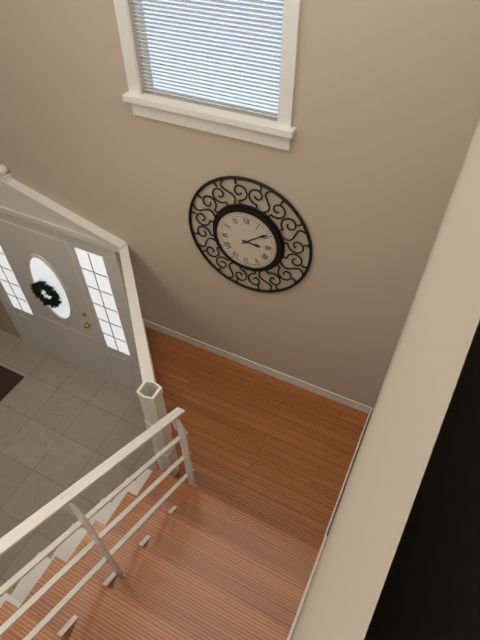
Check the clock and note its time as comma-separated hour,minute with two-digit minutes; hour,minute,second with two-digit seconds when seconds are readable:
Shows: 3,09
